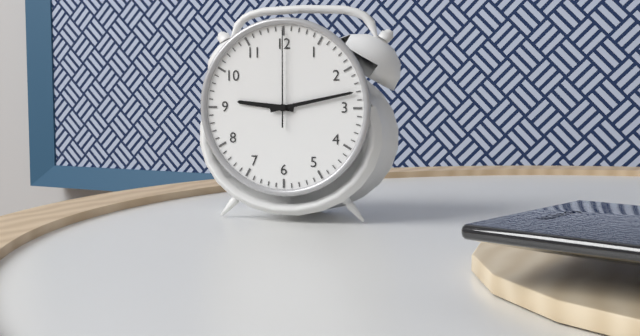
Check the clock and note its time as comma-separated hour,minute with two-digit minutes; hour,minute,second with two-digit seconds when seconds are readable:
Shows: 9,13,00
